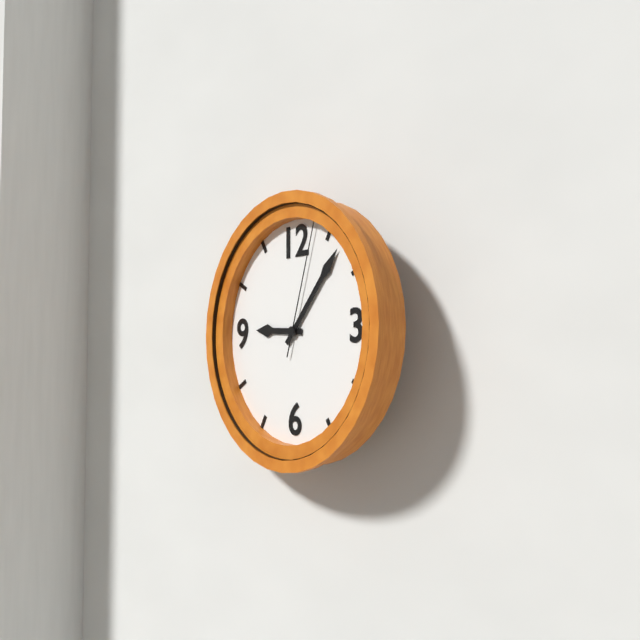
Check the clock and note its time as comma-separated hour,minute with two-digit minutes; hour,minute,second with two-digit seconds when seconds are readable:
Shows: 9,07,03
